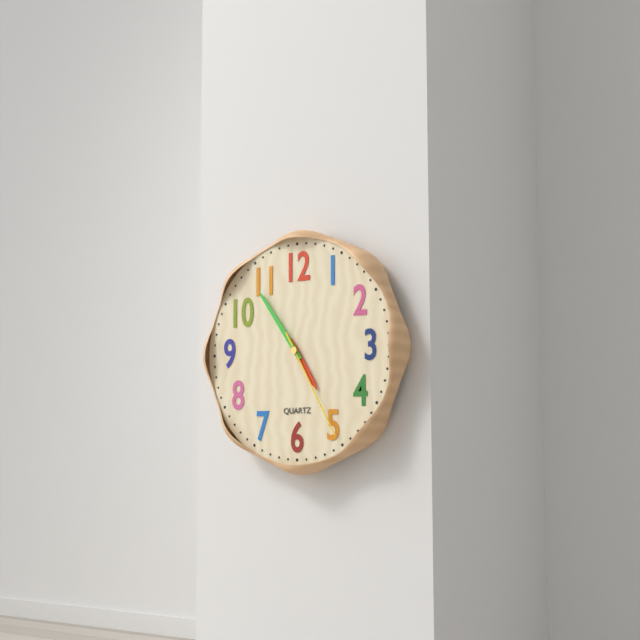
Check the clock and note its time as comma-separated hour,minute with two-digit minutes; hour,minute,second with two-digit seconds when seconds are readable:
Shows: 4,54,25
